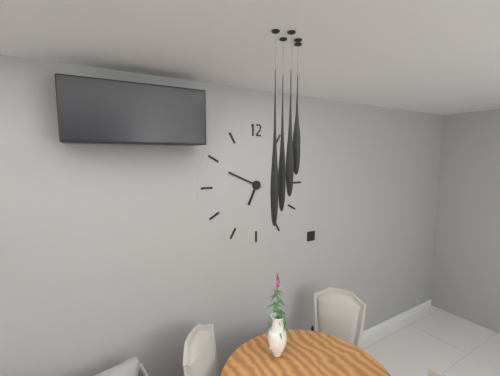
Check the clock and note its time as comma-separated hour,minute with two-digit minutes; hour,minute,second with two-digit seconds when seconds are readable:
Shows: 6,49
